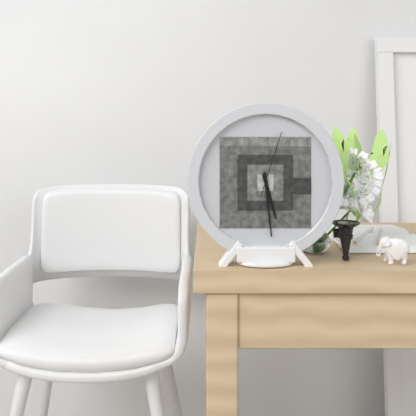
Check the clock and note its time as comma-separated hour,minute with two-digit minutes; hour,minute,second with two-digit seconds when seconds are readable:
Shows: 5,29,03
